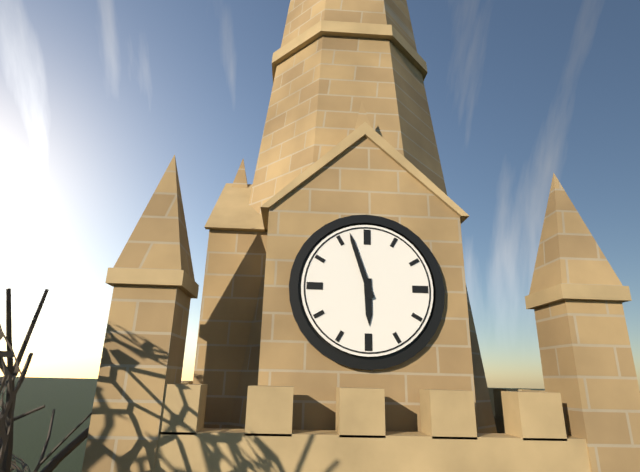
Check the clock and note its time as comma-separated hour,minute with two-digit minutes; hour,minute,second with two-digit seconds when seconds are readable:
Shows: 5,57
